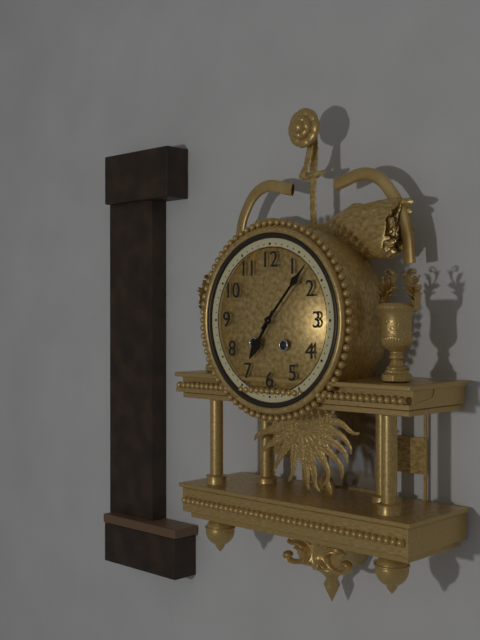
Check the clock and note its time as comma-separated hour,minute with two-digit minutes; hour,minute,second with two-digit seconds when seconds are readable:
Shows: 7,07
